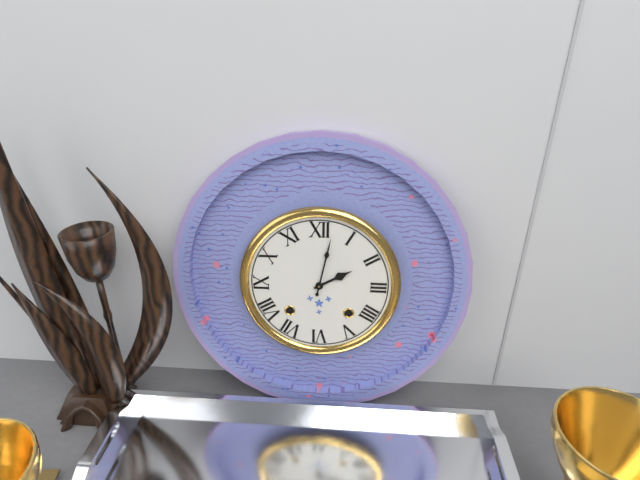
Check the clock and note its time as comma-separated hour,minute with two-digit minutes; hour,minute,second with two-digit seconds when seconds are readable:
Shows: 2,02
